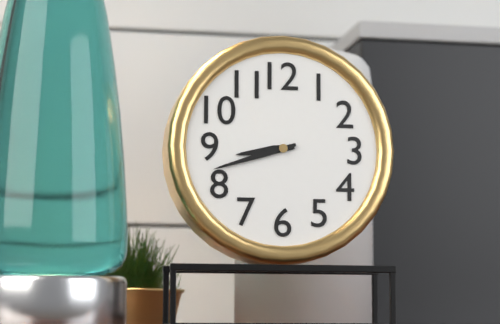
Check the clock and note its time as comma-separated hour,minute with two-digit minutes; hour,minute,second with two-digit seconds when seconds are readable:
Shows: 8,42
